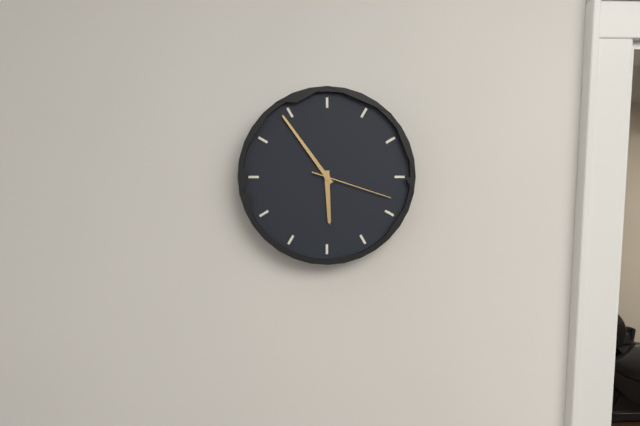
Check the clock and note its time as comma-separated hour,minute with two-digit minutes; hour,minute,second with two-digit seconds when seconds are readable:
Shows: 5,54,18
